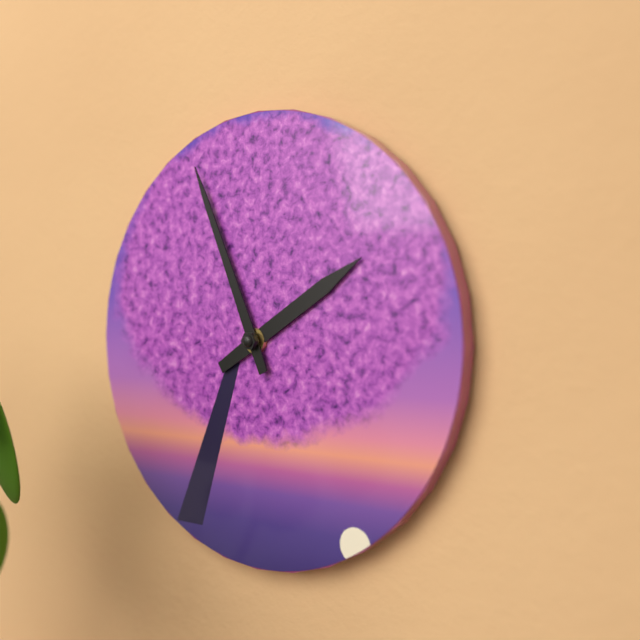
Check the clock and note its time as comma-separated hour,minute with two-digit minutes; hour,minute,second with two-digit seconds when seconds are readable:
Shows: 1,56
